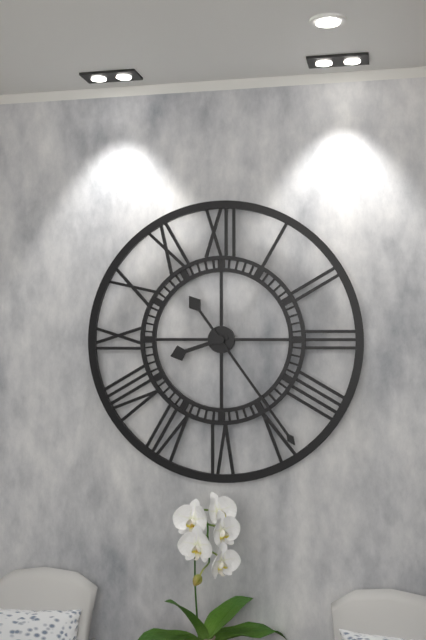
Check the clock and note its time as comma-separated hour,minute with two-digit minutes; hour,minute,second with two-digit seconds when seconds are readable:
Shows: 8,24
